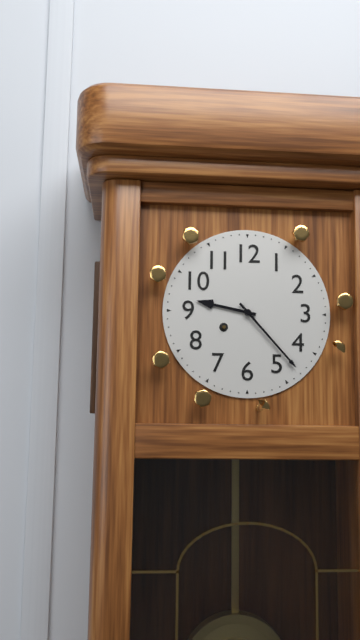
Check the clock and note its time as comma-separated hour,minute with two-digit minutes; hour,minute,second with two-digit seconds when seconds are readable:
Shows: 9,23
